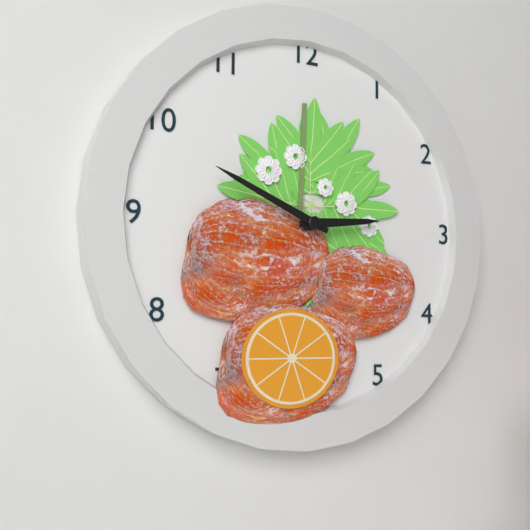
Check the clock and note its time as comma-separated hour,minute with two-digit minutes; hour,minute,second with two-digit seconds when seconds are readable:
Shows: 2,49
